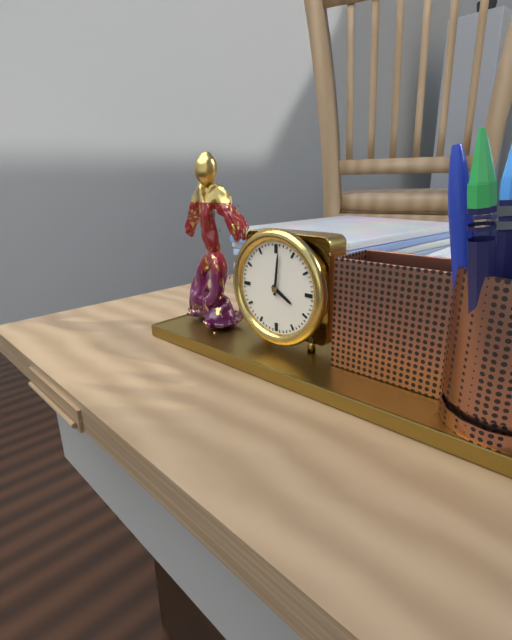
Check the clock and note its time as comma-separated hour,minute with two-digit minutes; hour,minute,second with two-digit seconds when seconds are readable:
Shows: 4,01
